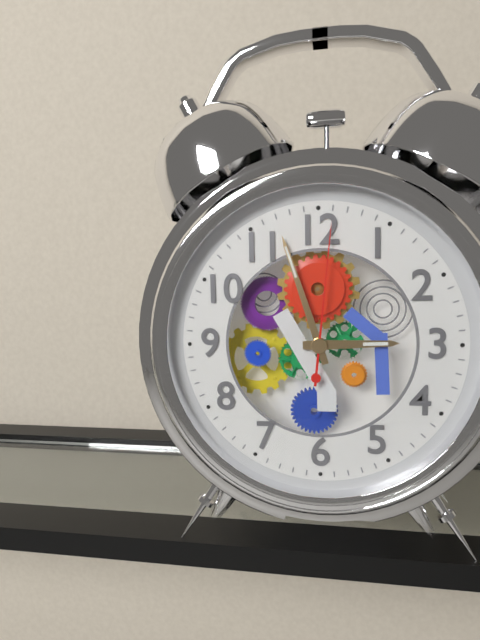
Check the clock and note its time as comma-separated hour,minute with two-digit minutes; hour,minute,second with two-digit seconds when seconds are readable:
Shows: 2,57,01
